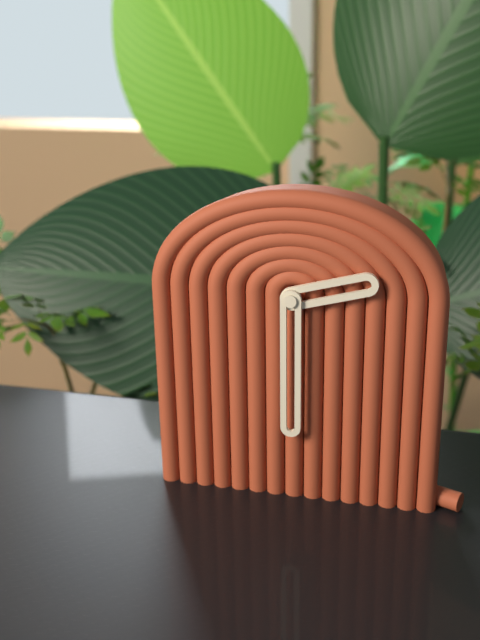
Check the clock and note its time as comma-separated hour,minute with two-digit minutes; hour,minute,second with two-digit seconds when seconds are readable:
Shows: 2,30
